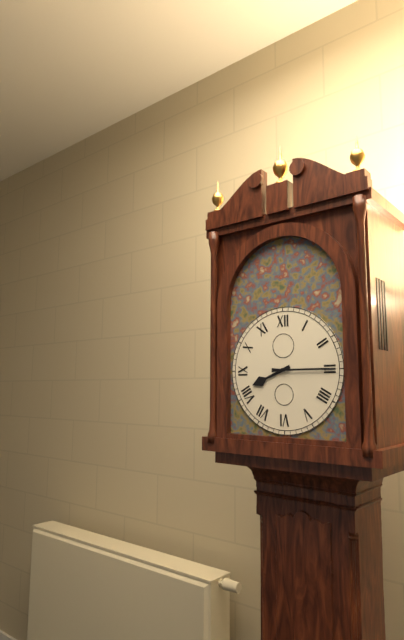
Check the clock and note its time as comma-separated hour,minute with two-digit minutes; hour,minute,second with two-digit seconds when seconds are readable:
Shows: 8,15
